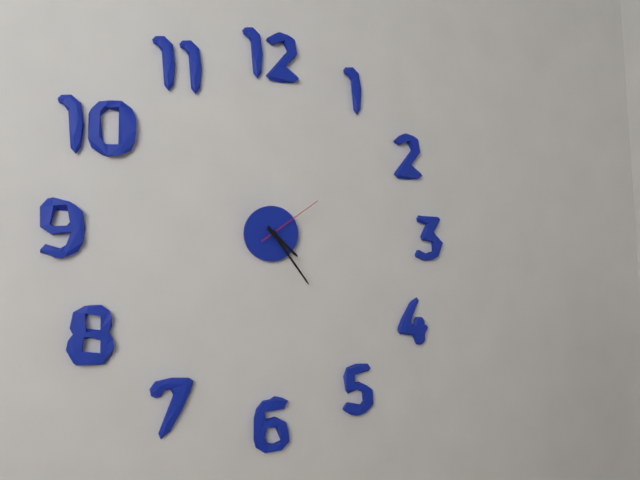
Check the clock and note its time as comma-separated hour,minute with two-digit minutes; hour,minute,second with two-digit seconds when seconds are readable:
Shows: 4,24,09
